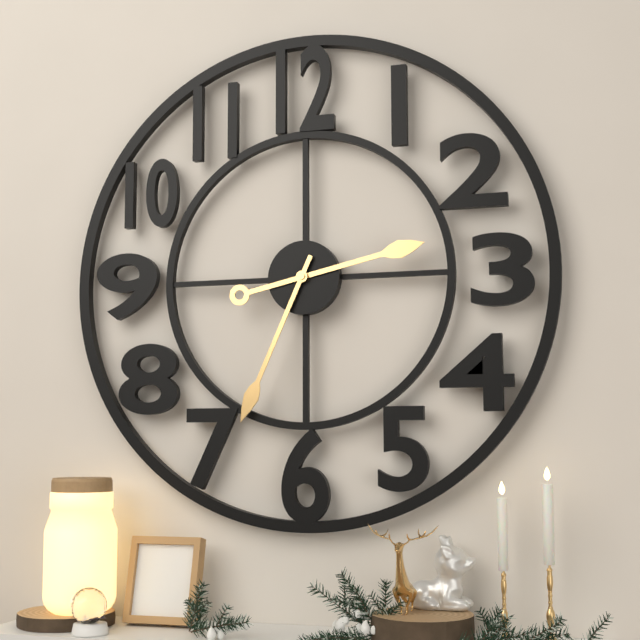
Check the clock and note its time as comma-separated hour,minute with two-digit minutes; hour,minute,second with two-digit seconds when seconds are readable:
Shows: 2,34
